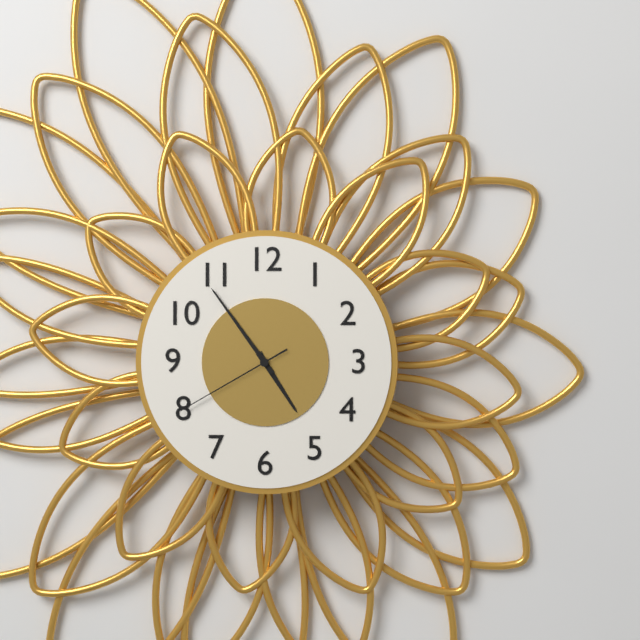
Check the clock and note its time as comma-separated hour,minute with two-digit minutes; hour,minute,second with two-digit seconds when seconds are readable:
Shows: 4,54,40
